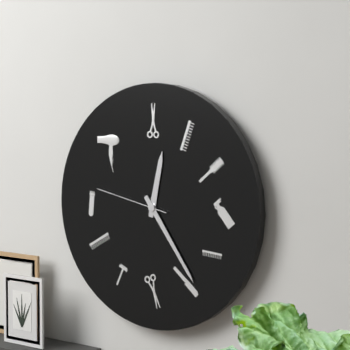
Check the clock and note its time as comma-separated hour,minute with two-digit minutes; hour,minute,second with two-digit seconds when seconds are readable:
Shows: 12,24,47
